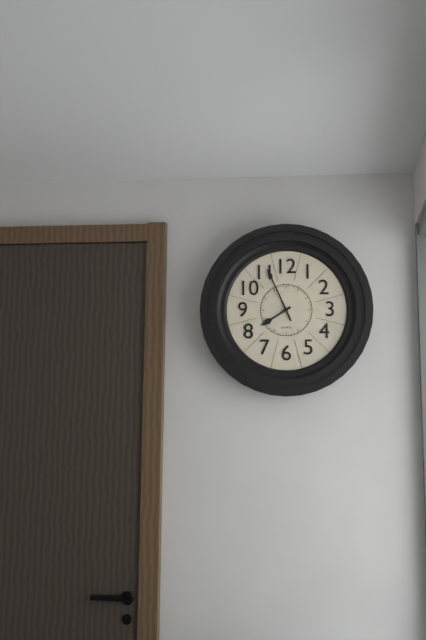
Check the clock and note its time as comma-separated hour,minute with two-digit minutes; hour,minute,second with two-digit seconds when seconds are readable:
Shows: 7,56
